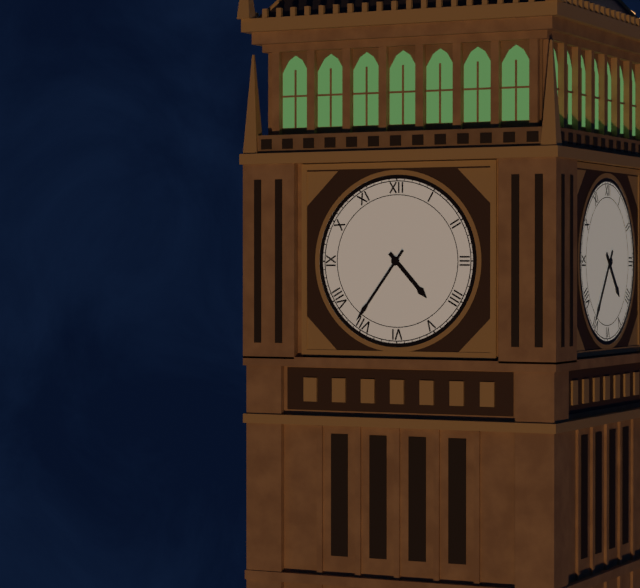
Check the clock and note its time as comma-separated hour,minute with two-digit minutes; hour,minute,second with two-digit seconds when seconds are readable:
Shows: 4,36
